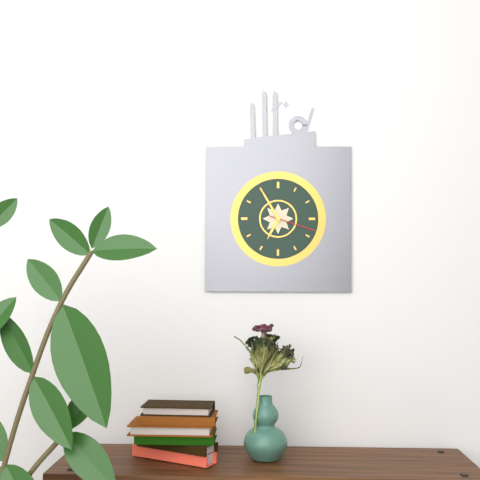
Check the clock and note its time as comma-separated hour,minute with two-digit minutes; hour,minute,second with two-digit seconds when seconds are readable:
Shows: 6,55
